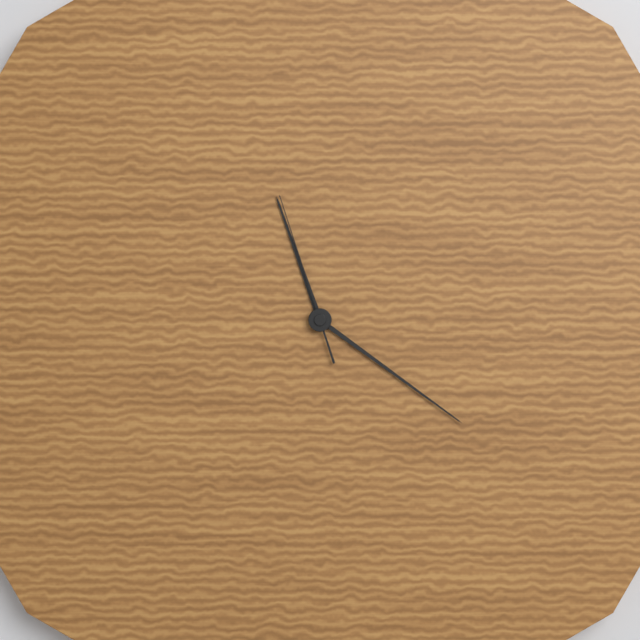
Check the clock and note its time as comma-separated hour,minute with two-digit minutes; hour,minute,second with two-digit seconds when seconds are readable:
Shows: 11,21,57
